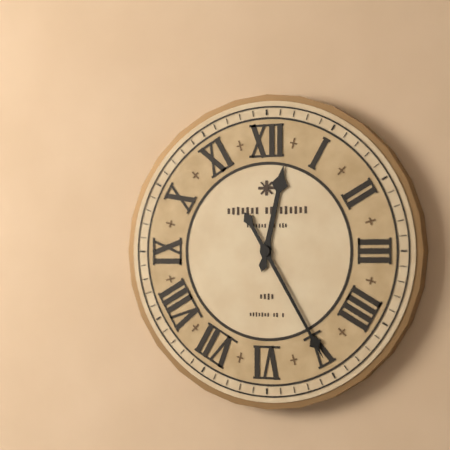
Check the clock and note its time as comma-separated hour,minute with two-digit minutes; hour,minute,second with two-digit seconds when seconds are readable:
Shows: 12,25
